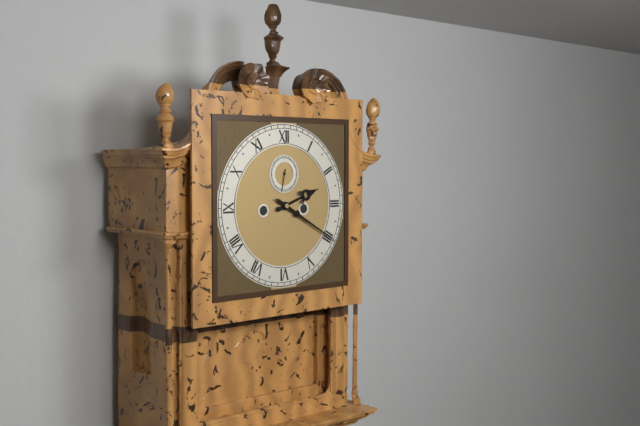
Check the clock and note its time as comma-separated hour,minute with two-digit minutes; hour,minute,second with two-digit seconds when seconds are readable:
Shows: 2,20
